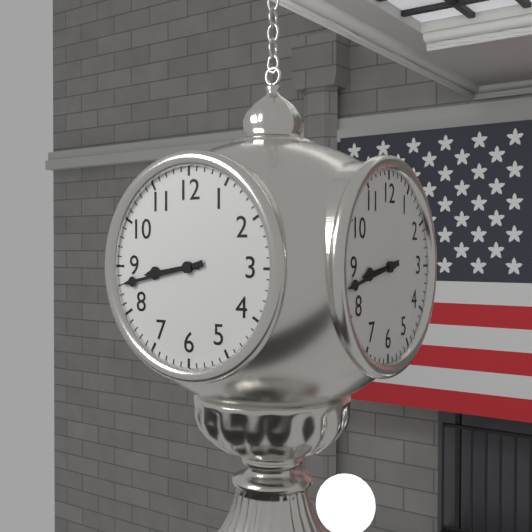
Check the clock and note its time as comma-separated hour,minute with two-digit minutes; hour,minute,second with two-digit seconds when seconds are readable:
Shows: 8,43
